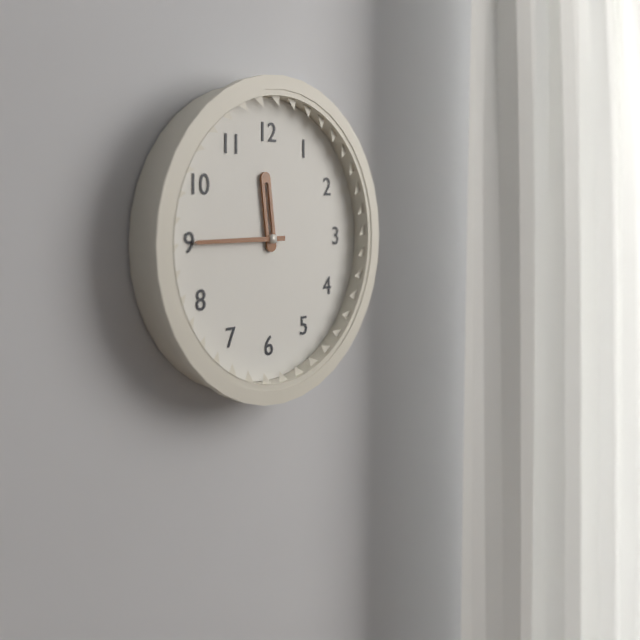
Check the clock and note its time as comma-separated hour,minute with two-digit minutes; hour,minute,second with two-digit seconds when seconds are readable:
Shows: 11,45
